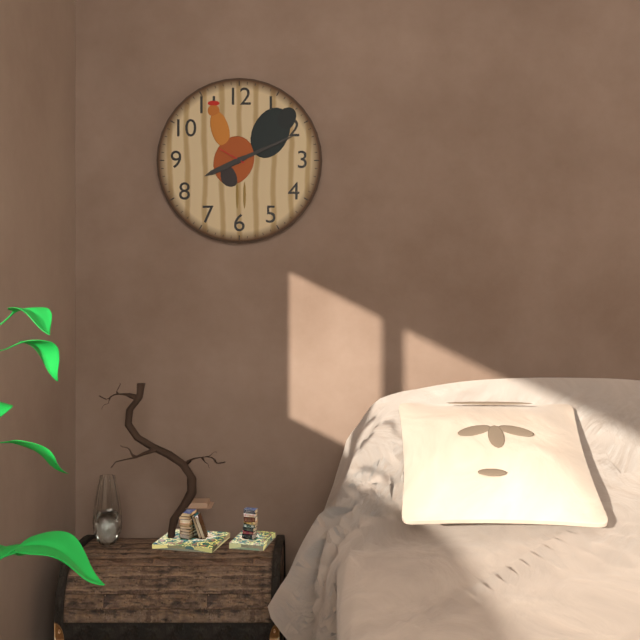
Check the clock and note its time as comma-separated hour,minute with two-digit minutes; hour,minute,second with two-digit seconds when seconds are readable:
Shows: 8,11
